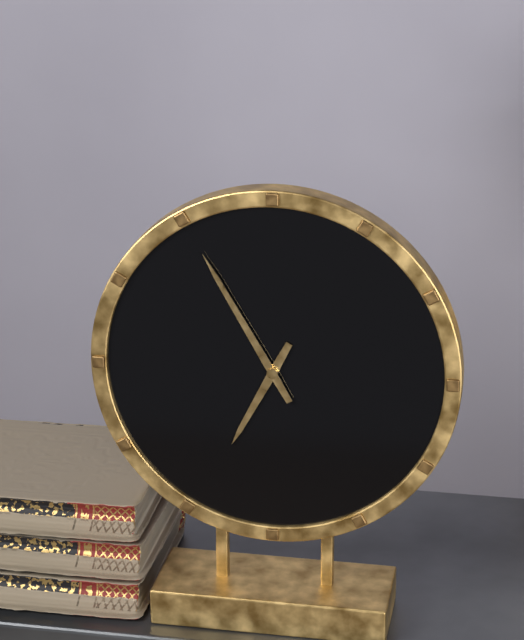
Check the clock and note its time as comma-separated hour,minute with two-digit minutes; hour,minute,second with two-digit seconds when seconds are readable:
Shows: 6,55
